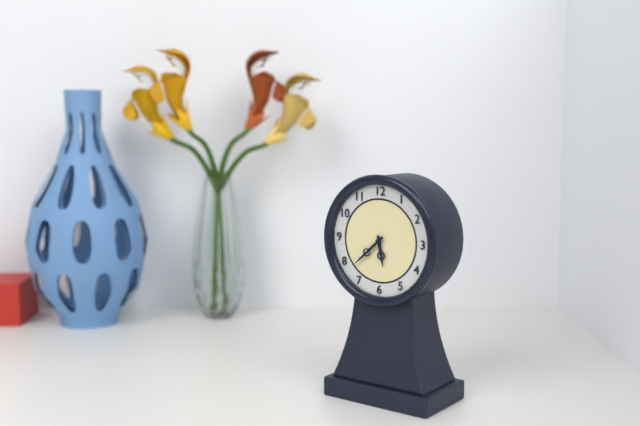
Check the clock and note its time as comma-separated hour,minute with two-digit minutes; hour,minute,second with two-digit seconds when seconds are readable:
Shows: 5,38
